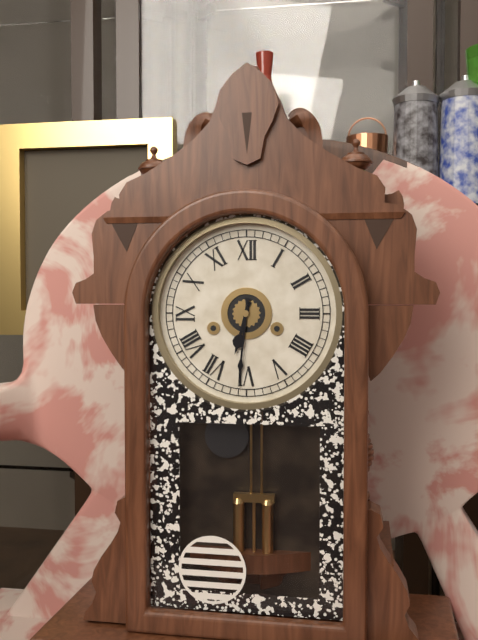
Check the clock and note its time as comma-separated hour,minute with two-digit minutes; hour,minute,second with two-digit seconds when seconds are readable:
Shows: 6,31
